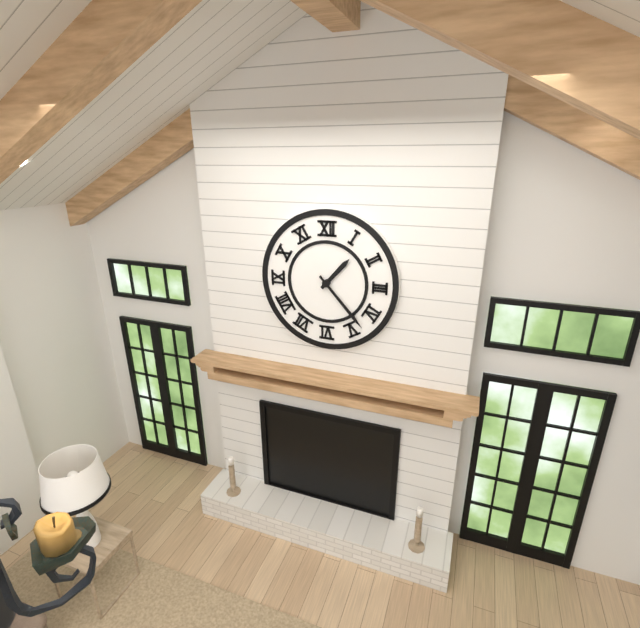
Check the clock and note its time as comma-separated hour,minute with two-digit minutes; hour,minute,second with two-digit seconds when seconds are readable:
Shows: 1,23
